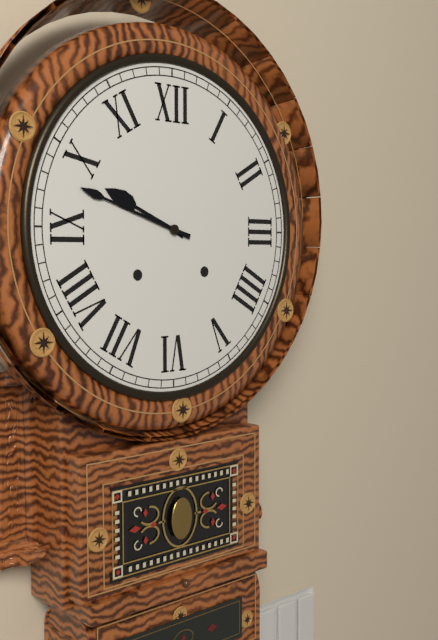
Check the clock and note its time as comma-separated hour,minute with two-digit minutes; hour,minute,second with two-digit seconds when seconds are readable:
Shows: 9,48
